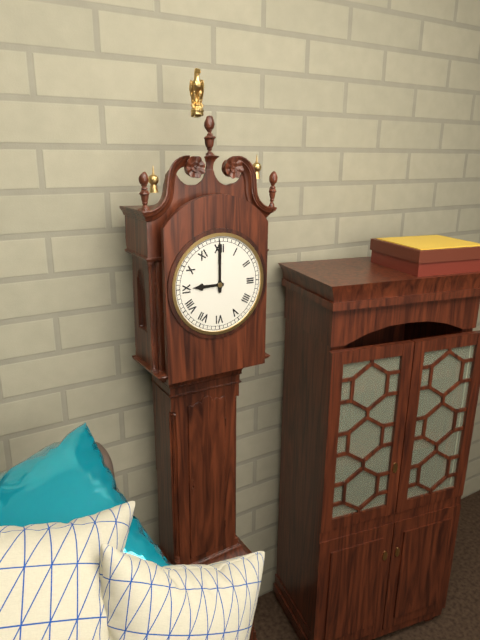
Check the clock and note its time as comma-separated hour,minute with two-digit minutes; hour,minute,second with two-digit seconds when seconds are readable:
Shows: 9,00
